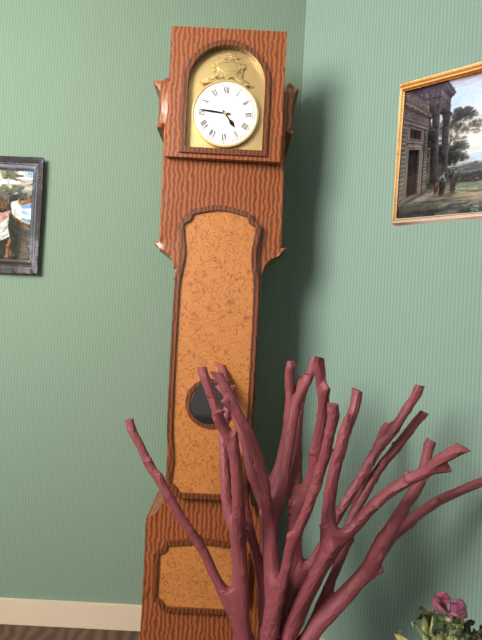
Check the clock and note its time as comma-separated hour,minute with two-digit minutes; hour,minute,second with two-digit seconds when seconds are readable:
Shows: 4,46
